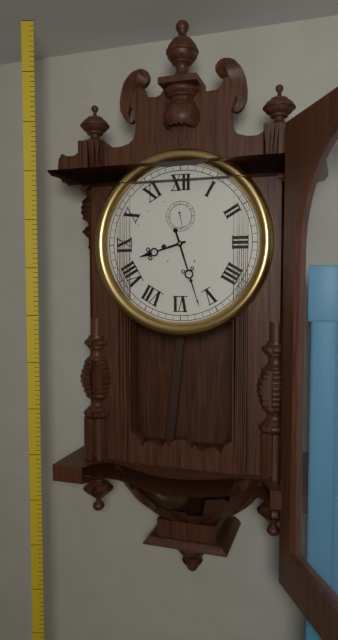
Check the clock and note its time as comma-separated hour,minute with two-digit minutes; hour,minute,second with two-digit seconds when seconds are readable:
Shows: 8,27
